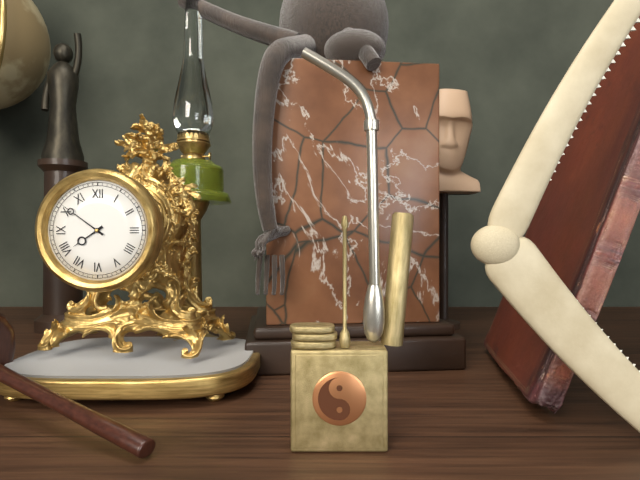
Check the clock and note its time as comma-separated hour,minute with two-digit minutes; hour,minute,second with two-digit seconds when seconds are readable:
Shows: 7,51
